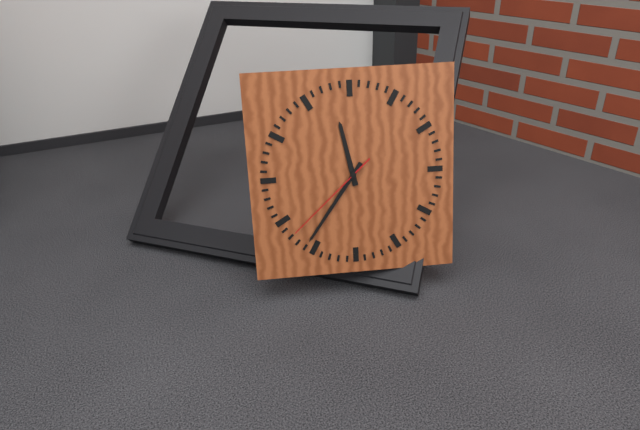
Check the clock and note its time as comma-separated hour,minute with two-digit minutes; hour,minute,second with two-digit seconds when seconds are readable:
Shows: 11,36,38
